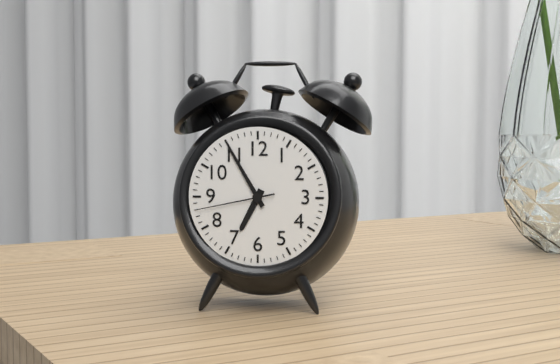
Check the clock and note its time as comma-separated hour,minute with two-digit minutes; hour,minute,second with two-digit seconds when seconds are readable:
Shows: 6,55,43
